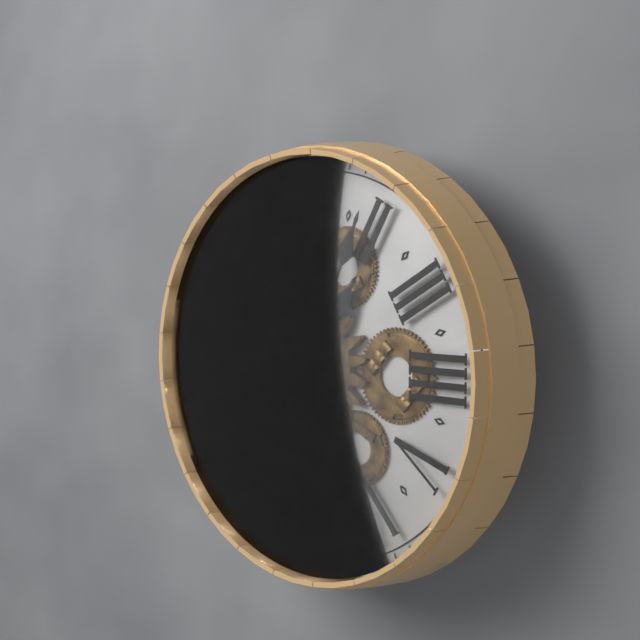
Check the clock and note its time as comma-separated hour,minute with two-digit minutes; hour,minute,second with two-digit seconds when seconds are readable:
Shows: 2,09
